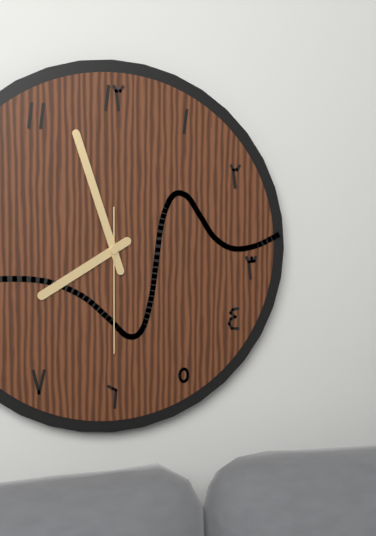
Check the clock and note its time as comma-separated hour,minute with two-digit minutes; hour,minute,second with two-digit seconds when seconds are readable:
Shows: 7,57,30
